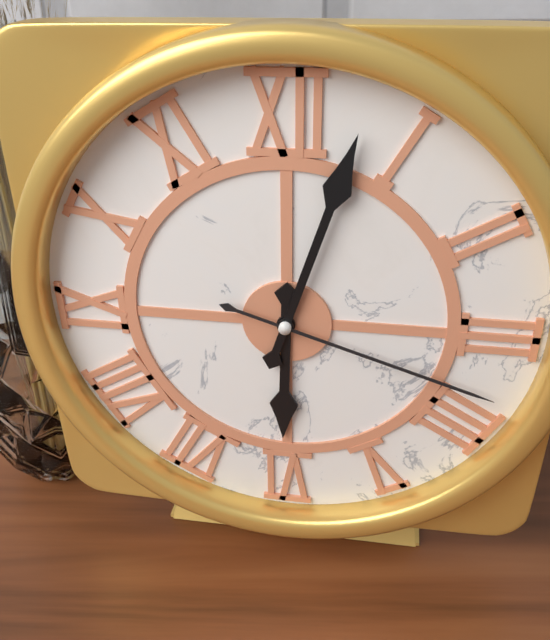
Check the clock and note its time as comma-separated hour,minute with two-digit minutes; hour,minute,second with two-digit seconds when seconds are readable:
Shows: 6,03,18
